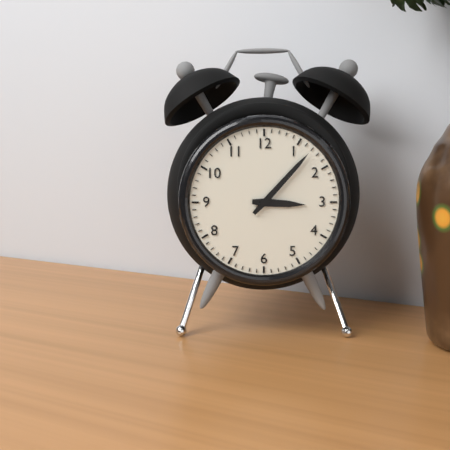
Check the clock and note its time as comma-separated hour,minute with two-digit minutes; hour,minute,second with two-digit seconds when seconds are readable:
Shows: 3,07
